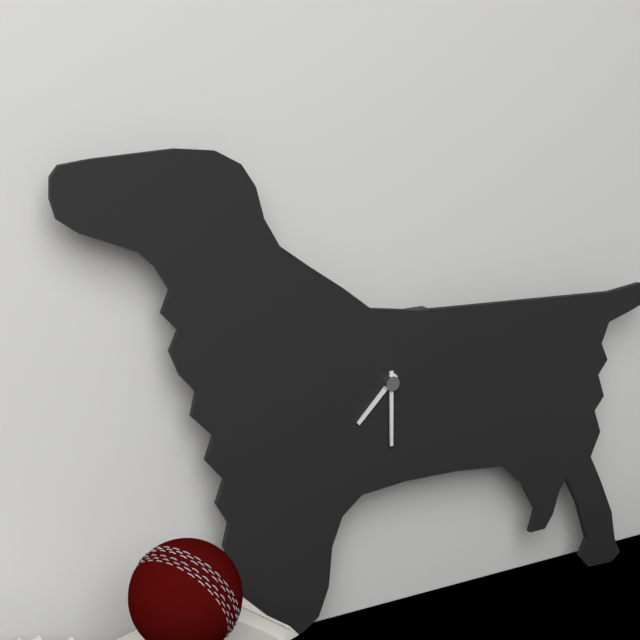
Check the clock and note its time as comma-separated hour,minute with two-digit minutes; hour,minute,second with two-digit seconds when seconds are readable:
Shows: 7,30
